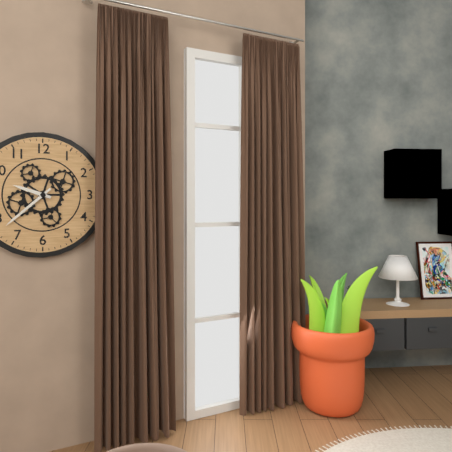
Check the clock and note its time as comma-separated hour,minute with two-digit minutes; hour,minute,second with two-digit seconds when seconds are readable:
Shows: 9,38
